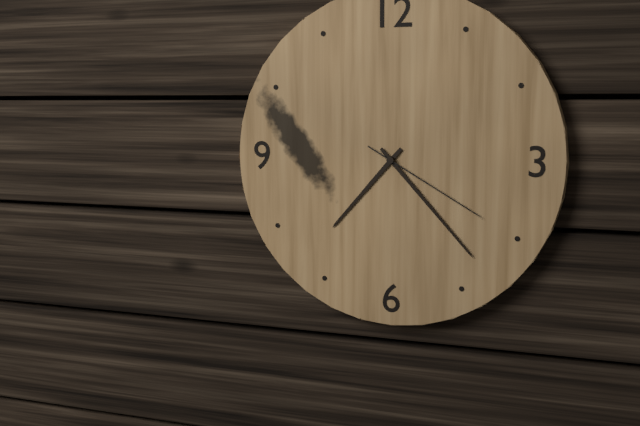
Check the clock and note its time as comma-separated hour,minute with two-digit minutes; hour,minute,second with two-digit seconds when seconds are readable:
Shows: 7,23,20
